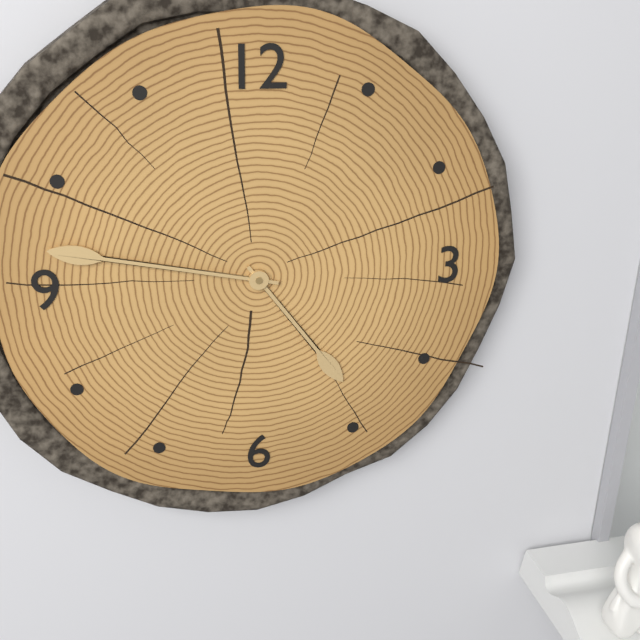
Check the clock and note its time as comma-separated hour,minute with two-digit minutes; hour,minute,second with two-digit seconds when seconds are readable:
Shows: 4,47
